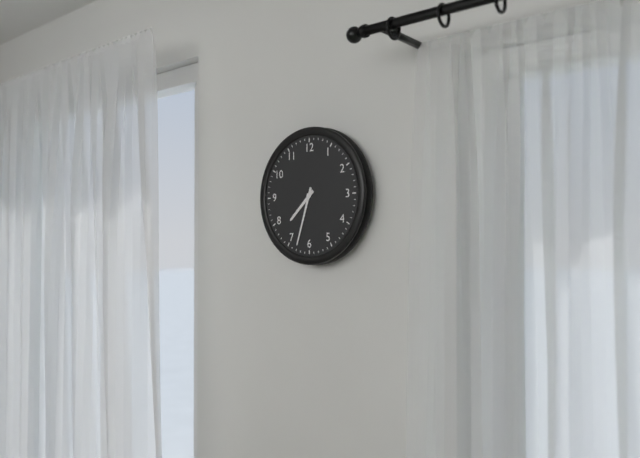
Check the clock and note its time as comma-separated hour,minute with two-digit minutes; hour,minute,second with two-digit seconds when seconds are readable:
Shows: 7,33
